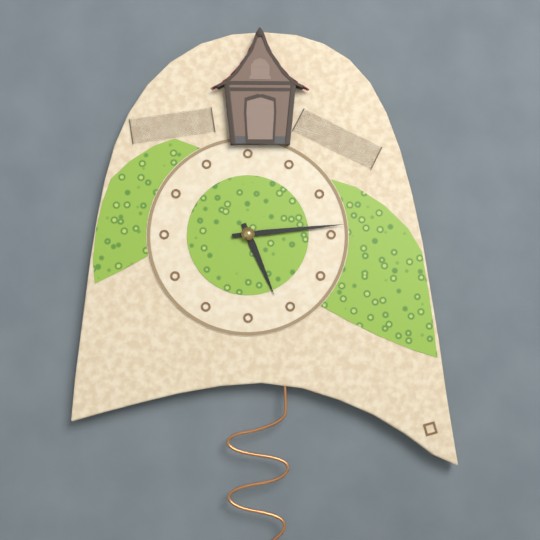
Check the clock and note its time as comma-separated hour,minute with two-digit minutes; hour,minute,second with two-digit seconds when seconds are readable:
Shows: 5,14
